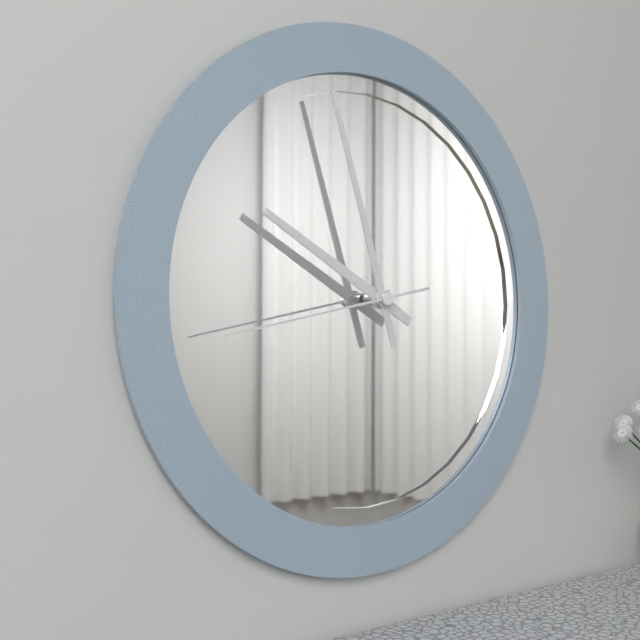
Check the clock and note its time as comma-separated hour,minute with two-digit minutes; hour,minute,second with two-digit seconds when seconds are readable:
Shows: 9,57,43
